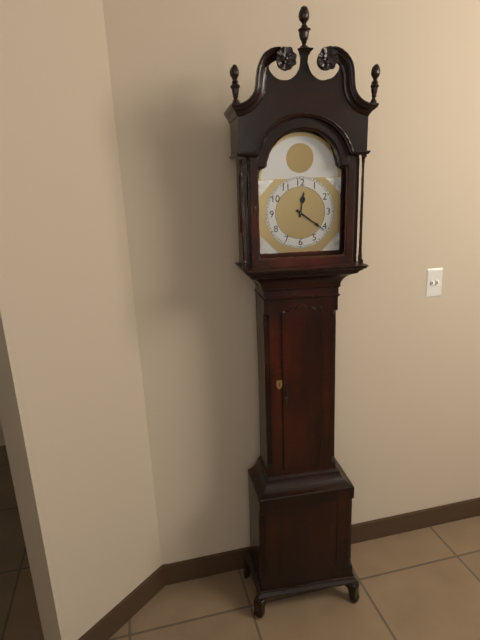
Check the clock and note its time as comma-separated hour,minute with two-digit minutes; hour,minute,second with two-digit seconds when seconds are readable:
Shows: 12,21
